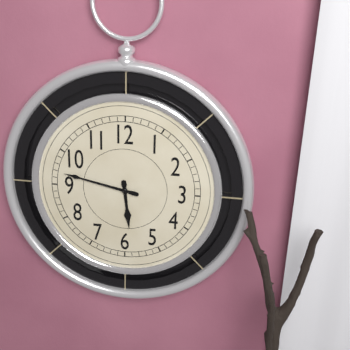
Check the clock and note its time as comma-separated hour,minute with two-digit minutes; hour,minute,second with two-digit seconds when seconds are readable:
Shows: 5,47
